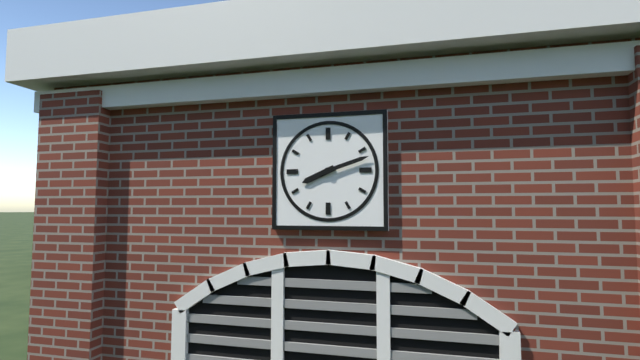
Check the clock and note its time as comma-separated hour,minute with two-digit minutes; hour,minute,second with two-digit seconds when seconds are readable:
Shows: 8,12
